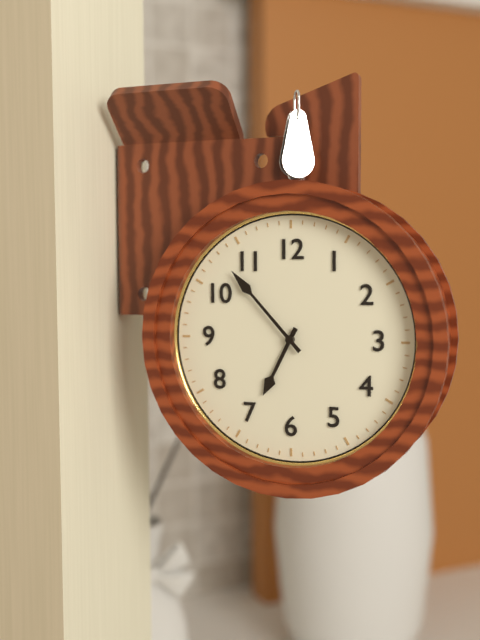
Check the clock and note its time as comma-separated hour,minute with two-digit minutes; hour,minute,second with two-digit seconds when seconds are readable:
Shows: 6,53
